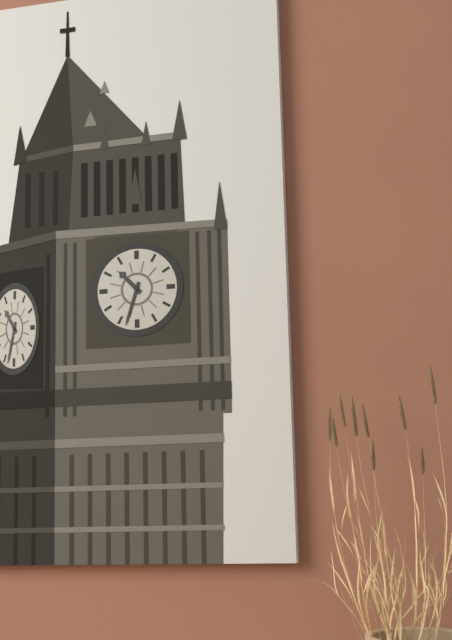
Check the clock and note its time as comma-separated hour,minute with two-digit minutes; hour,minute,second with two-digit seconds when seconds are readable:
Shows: 10,33
